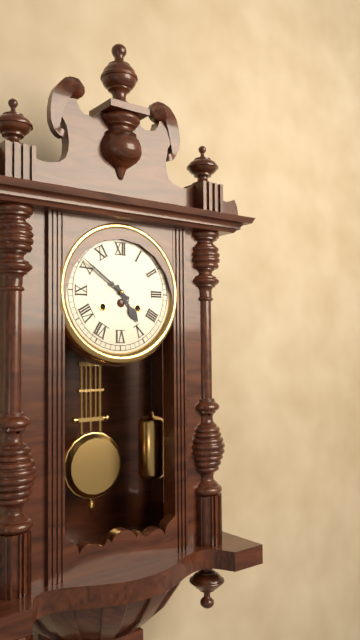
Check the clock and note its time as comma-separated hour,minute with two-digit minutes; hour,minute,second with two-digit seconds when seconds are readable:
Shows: 4,51
